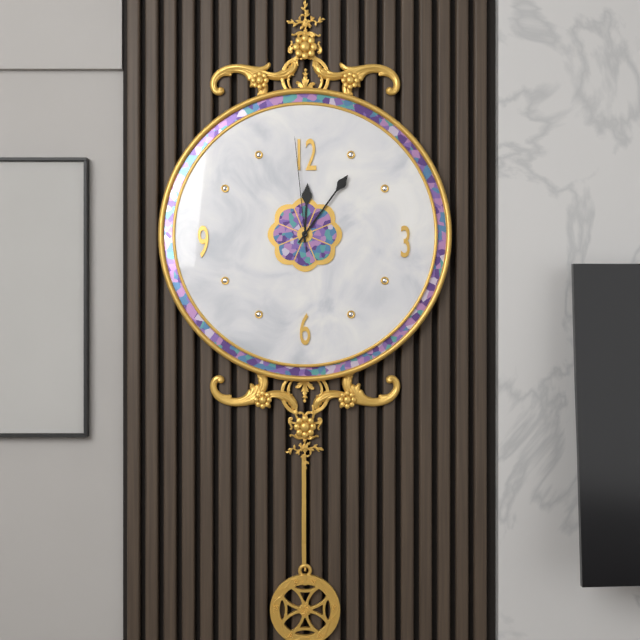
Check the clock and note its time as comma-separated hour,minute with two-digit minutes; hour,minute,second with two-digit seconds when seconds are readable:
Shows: 12,06,59
